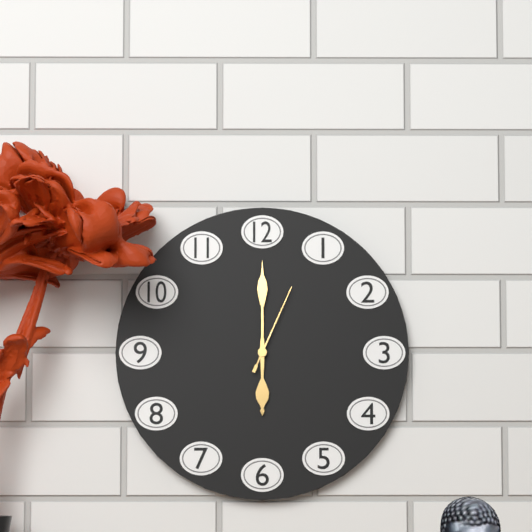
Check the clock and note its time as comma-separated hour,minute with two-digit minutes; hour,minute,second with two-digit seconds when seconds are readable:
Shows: 6,00,04
